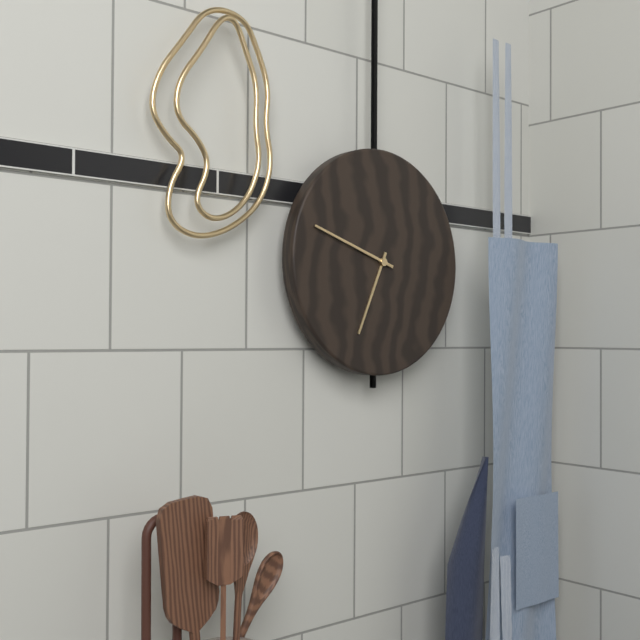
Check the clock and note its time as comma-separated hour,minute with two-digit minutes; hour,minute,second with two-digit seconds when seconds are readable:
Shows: 6,48
